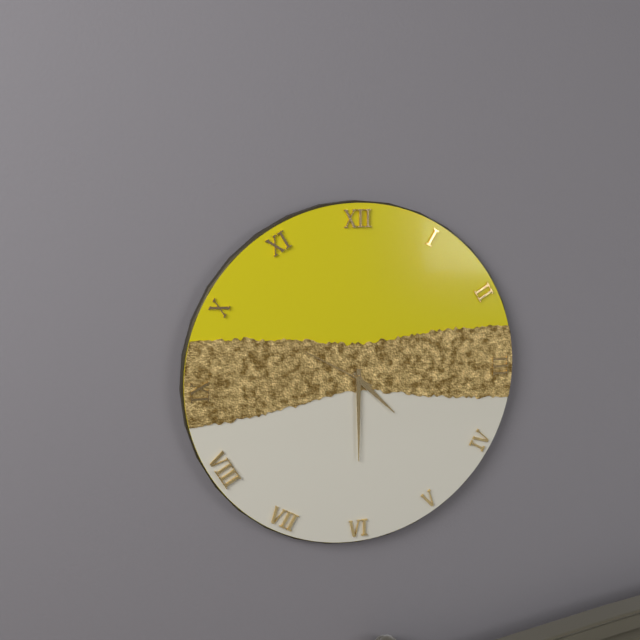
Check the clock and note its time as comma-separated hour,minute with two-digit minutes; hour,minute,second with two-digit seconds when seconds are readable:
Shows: 4,30,50
